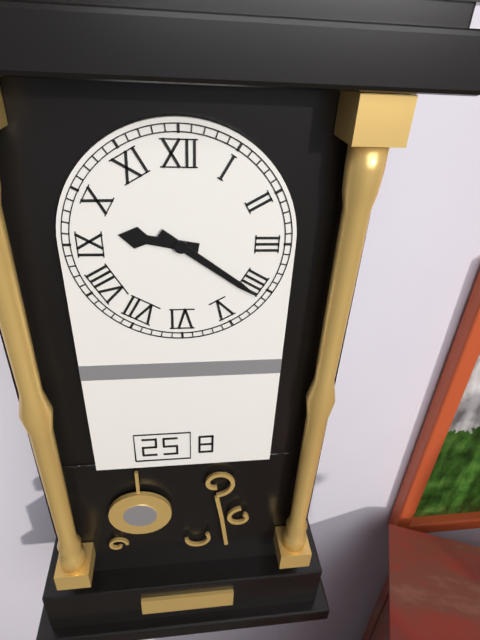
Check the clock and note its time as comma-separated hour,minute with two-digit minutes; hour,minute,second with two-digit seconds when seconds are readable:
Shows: 9,21
